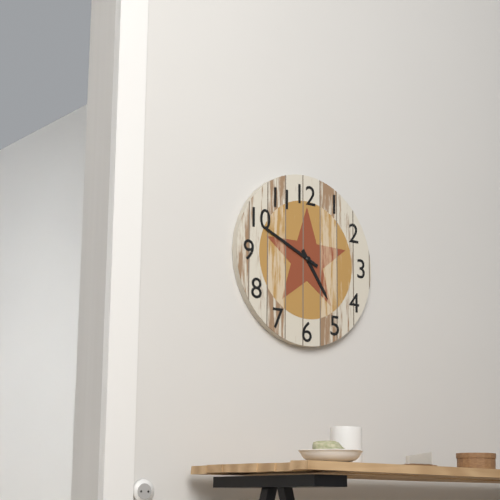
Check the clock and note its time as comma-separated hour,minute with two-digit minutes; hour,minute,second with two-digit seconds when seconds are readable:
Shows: 4,49
